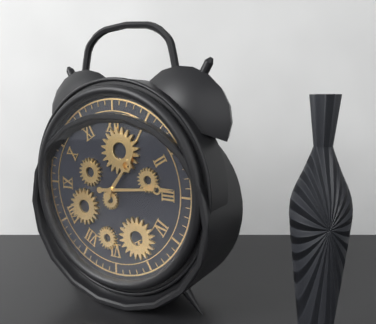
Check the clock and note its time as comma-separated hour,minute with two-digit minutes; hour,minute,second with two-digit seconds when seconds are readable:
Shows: 1,14
